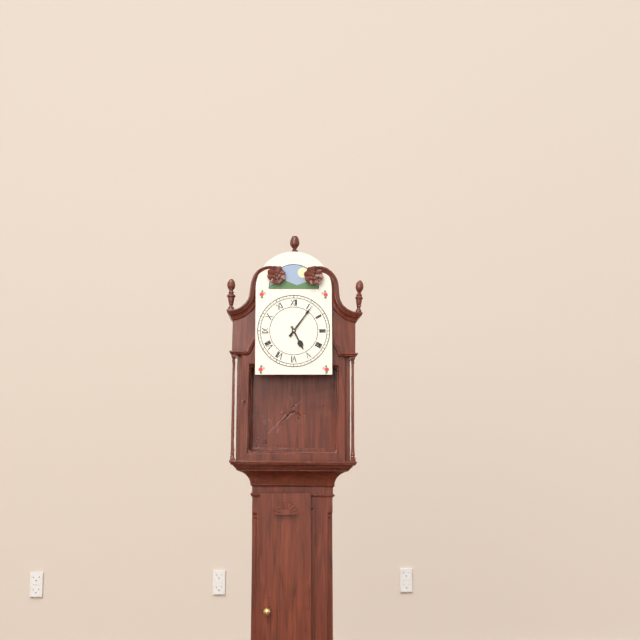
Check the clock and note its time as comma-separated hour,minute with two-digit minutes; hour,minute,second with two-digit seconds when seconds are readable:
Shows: 5,06
